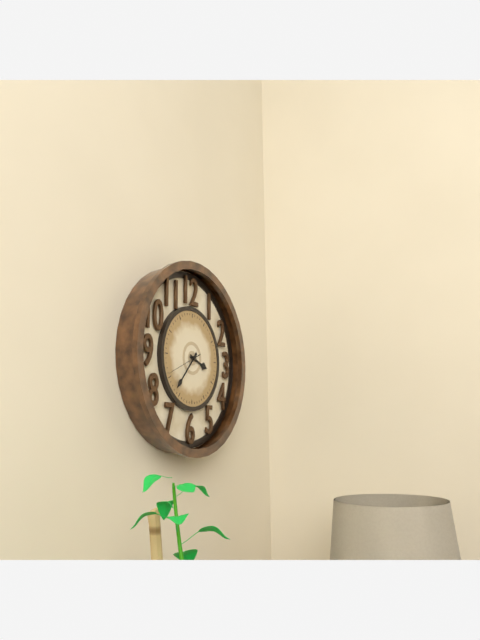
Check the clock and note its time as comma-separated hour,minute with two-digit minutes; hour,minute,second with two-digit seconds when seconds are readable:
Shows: 3,37
